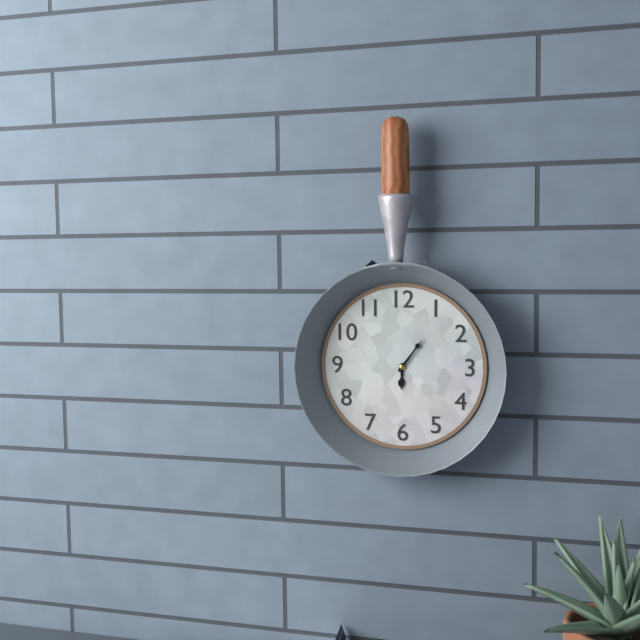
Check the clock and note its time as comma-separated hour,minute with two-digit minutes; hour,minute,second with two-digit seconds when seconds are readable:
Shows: 6,06
